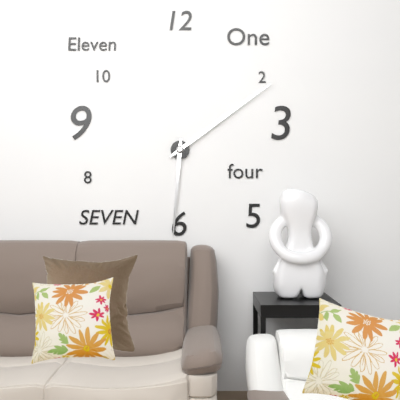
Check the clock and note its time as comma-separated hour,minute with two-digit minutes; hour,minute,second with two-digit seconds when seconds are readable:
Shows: 6,09
